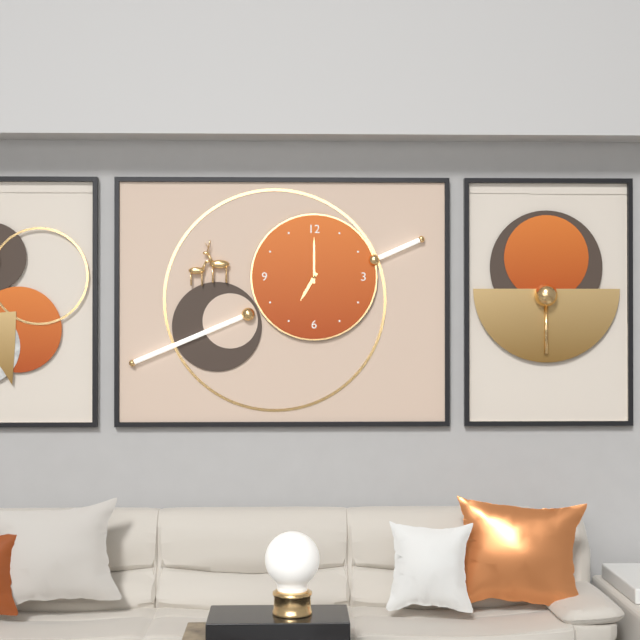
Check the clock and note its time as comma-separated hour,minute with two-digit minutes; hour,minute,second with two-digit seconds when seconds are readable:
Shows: 7,00
